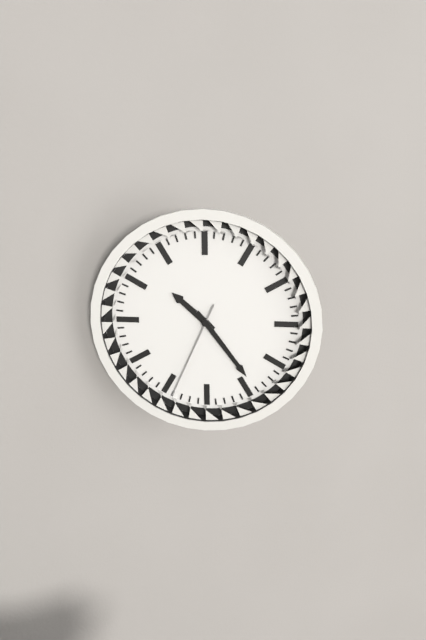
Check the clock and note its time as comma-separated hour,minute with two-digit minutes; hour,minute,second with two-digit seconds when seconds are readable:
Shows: 10,24,34
